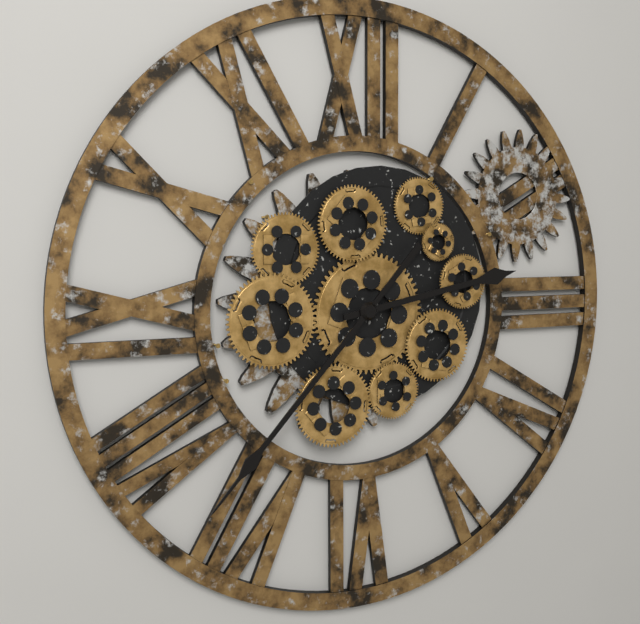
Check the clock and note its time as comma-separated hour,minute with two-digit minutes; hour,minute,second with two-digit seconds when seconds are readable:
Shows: 2,37
